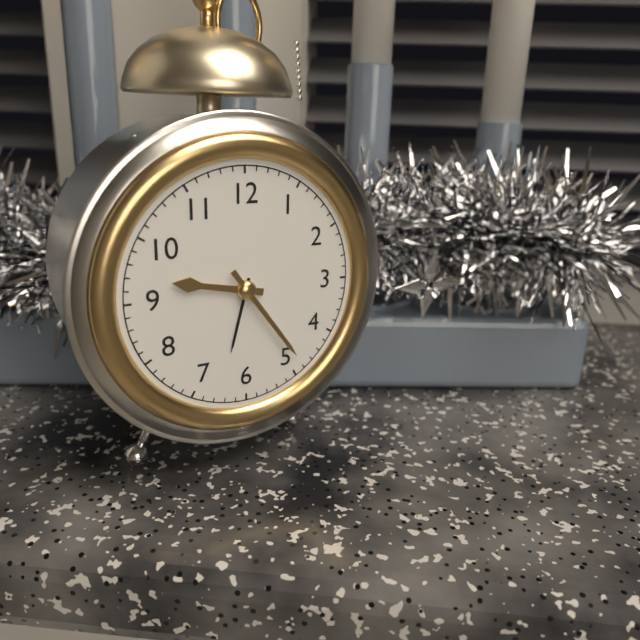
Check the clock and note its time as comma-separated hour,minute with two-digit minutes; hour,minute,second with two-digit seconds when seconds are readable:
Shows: 9,24
